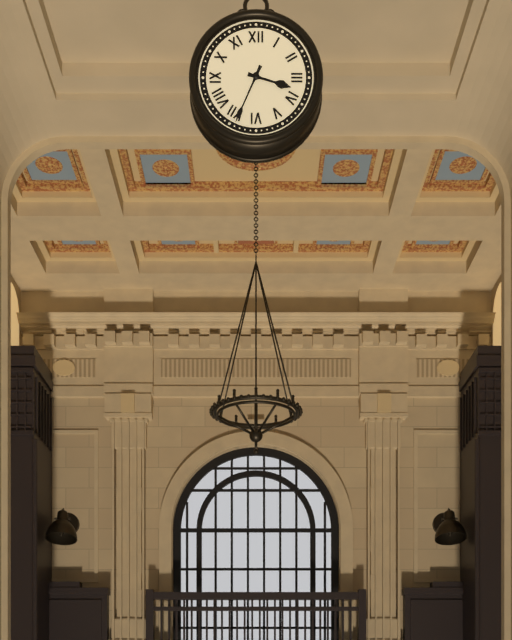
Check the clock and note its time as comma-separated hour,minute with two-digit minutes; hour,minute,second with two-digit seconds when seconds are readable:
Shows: 3,34
